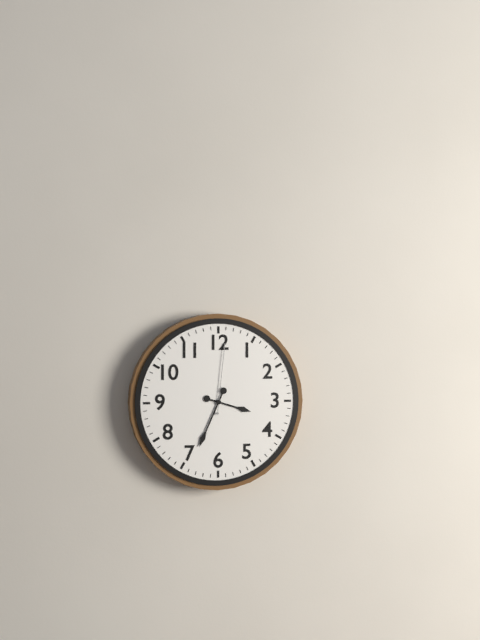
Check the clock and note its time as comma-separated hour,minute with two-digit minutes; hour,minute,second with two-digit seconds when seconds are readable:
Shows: 3,34,01
